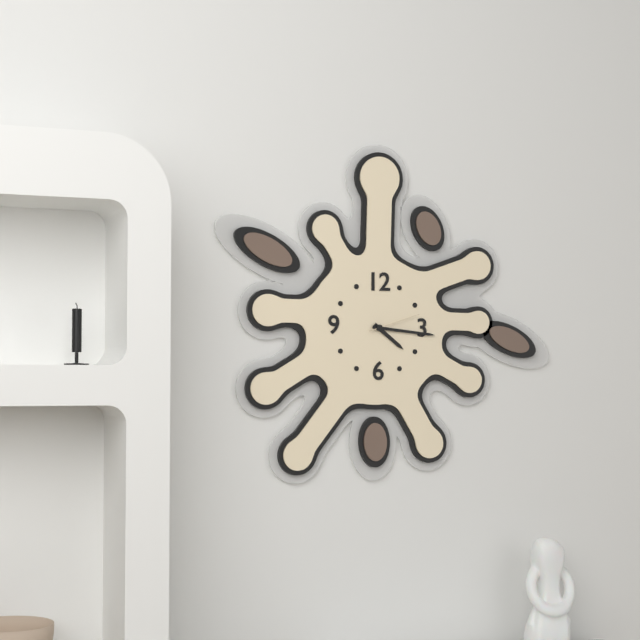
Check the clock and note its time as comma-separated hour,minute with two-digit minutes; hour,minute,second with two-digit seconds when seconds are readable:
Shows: 4,16,12
